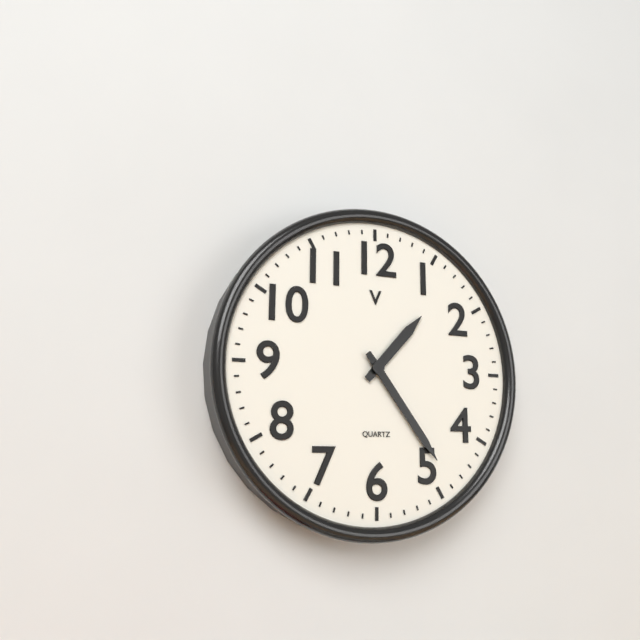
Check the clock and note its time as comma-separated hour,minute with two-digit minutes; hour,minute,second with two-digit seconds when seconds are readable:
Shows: 1,24
